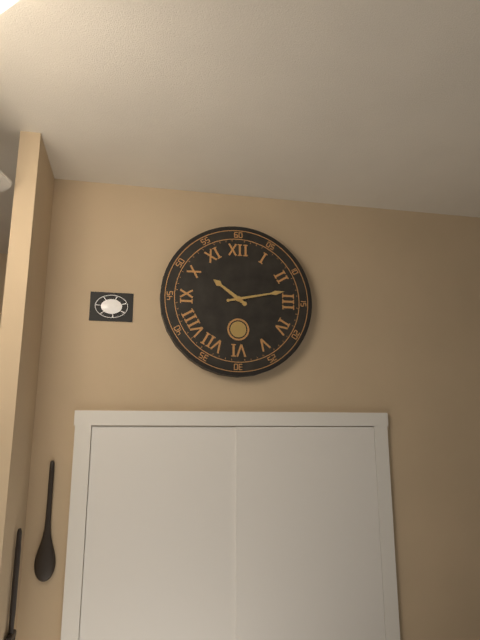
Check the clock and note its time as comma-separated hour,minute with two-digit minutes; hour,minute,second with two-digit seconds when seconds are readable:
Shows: 10,13
